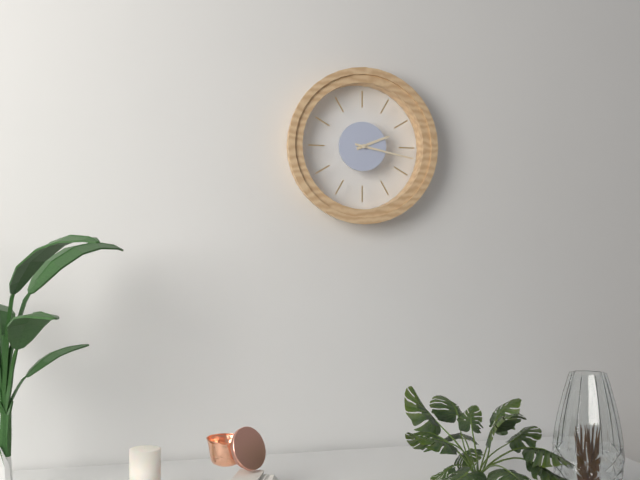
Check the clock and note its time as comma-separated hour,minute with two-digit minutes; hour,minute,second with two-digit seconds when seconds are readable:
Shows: 2,17
